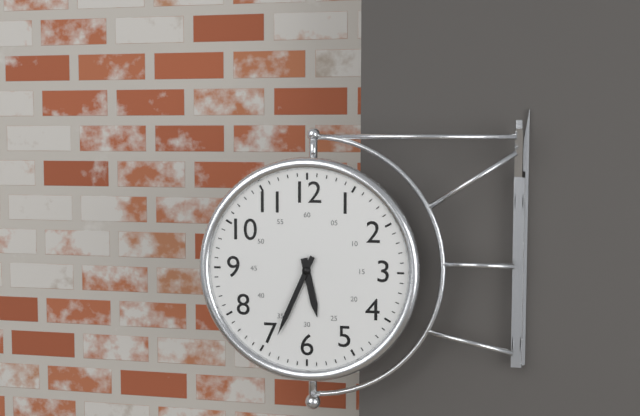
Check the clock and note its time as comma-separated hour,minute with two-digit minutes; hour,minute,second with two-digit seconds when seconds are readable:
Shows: 5,34
